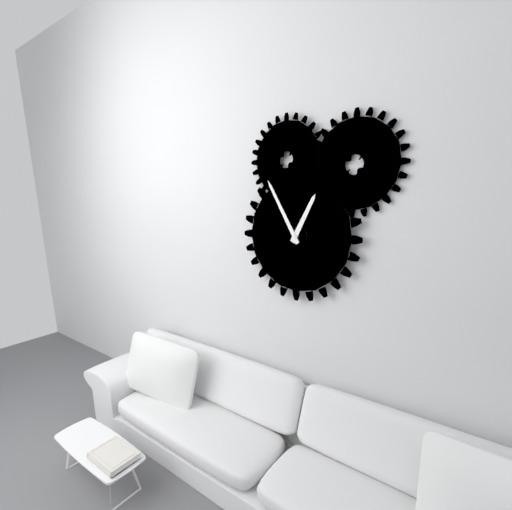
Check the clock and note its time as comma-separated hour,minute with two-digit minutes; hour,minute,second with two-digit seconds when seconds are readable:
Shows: 12,55
